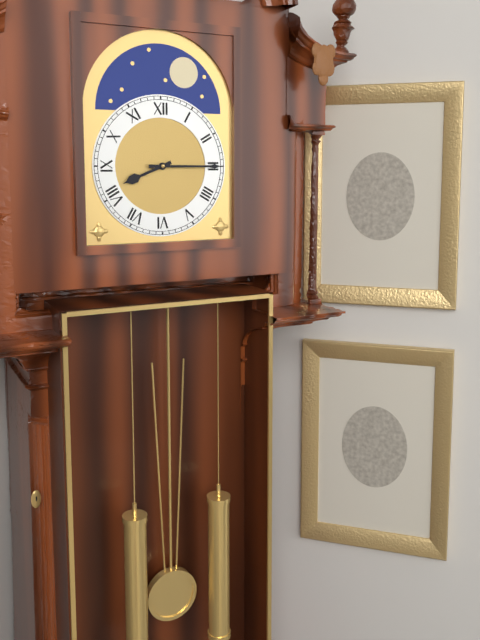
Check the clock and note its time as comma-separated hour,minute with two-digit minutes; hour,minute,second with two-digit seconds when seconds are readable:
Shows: 8,15
